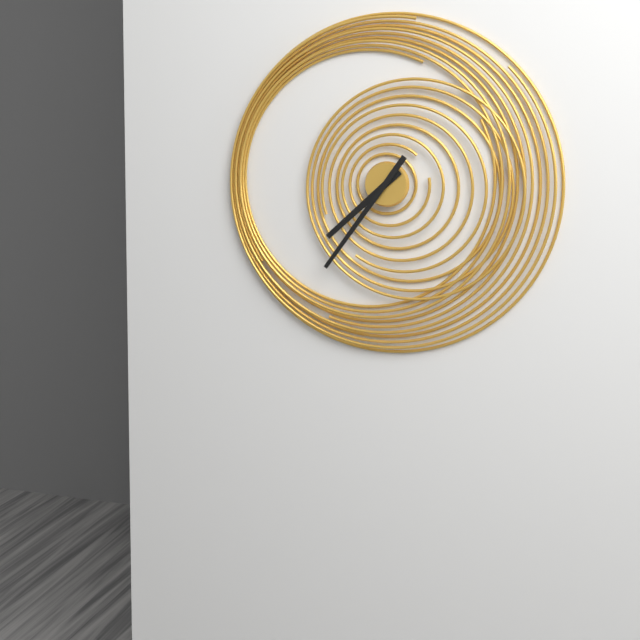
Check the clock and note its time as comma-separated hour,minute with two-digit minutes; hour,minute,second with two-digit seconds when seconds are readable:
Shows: 7,36
